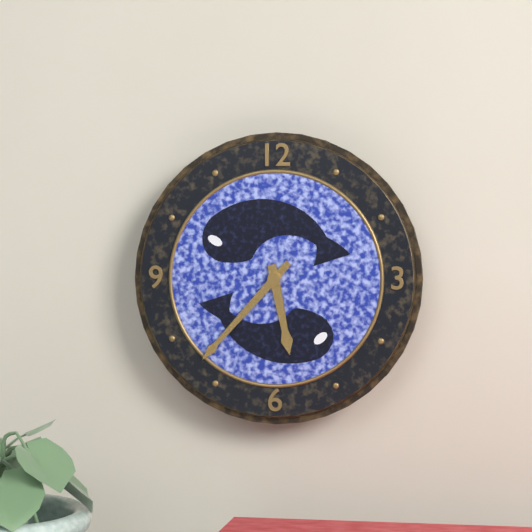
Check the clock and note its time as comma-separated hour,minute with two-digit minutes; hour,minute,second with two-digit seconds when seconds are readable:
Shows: 5,37
